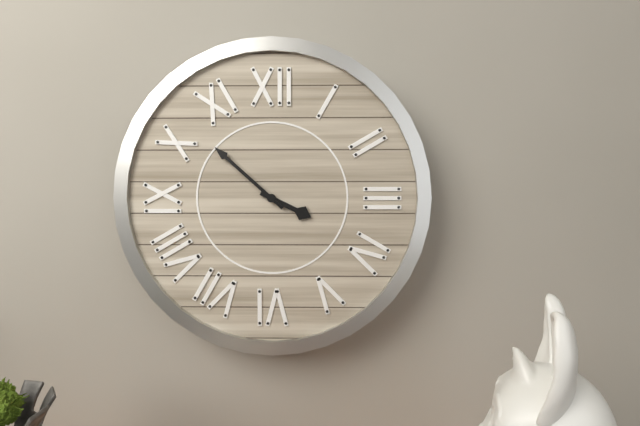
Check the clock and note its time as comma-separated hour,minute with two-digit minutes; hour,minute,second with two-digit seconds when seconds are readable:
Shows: 3,52
